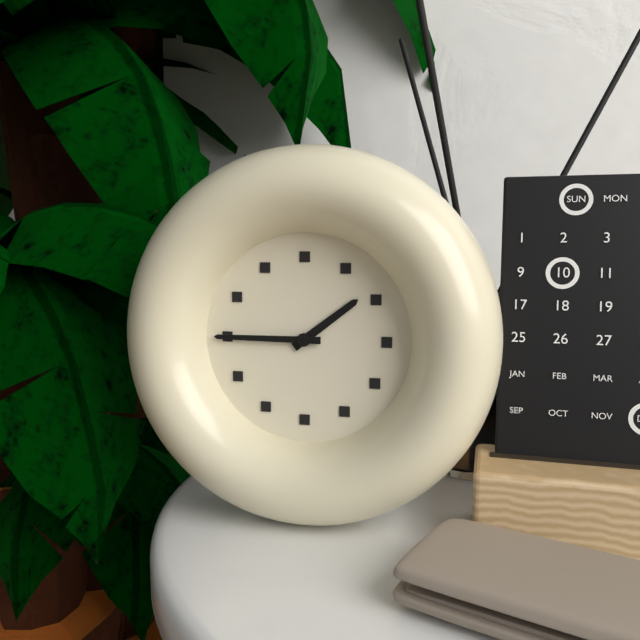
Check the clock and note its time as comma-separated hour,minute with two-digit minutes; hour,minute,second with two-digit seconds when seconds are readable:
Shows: 1,45
